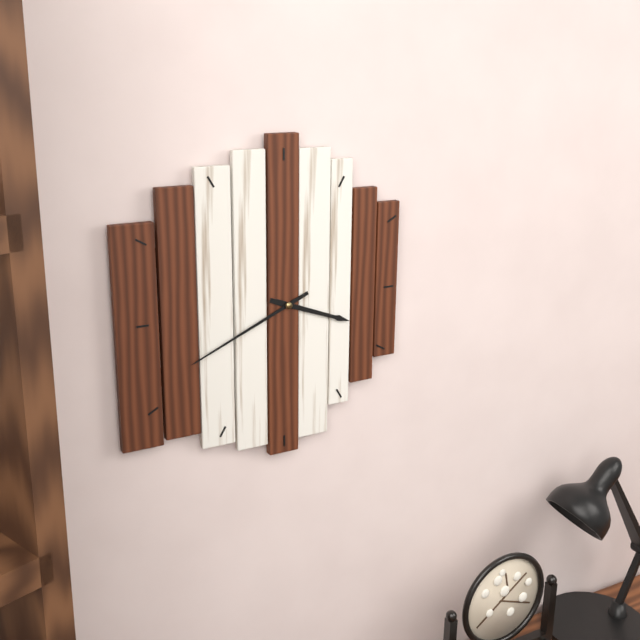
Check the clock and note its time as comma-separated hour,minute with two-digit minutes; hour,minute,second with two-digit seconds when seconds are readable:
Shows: 3,41
